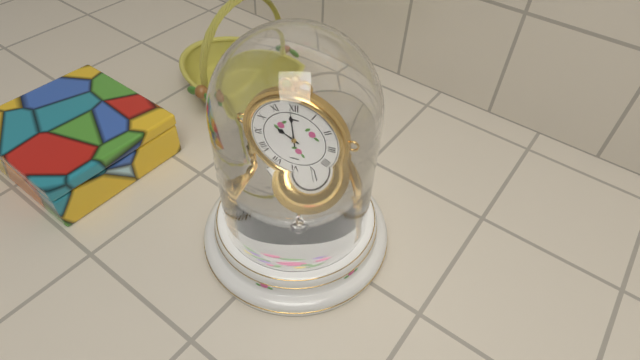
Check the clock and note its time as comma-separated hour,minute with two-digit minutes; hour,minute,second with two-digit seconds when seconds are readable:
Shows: 9,59
